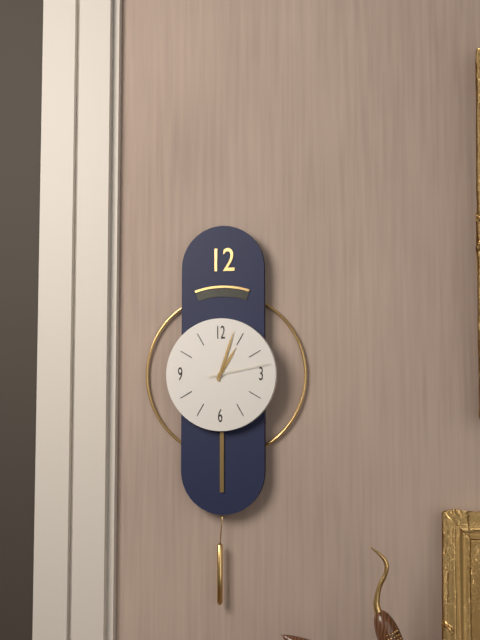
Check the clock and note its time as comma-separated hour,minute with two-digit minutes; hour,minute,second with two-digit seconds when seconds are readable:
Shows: 1,03,13
